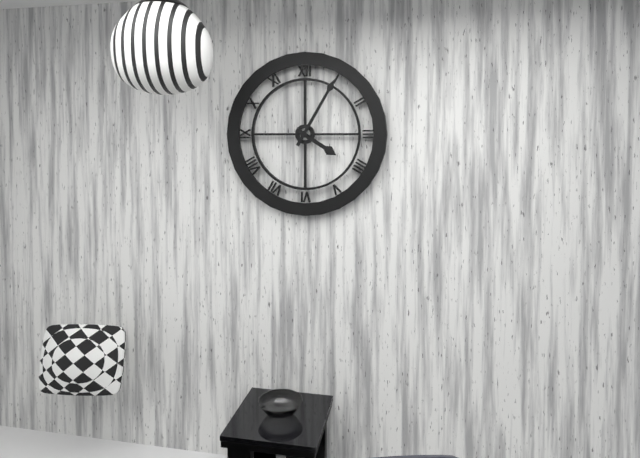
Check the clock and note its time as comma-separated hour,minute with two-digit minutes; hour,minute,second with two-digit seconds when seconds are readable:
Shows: 4,05
